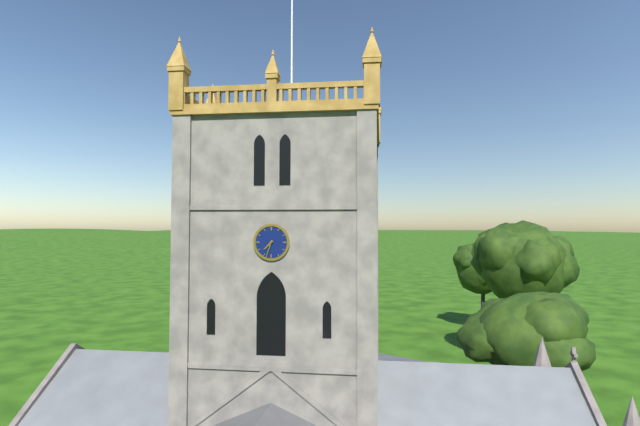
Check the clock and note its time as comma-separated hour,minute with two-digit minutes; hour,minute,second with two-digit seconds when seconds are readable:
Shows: 7,33
